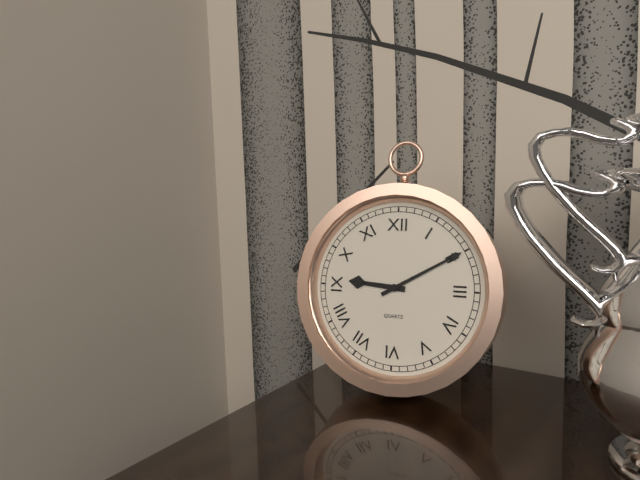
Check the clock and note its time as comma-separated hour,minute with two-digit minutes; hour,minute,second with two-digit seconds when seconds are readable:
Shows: 9,10
